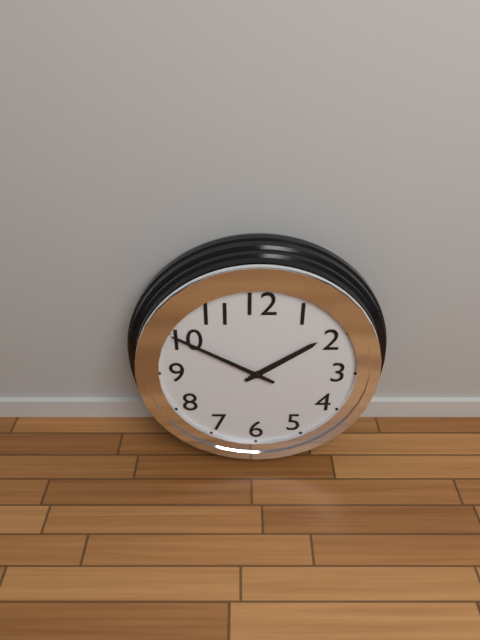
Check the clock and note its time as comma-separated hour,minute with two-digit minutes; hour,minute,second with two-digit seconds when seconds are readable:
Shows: 1,50
